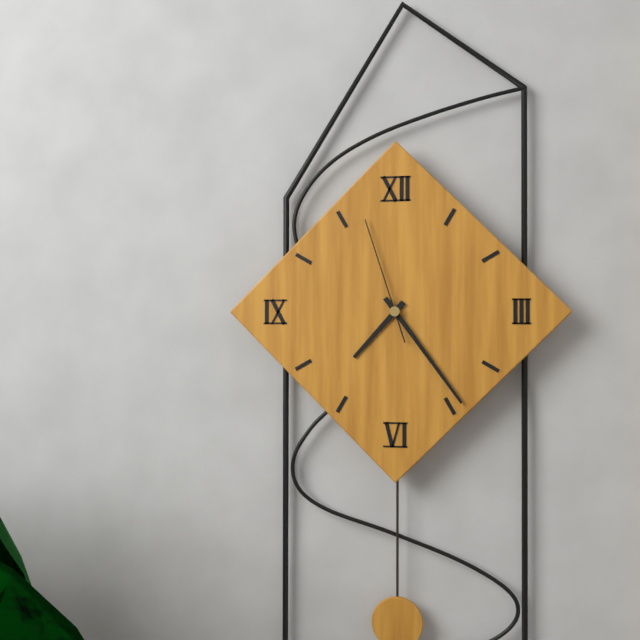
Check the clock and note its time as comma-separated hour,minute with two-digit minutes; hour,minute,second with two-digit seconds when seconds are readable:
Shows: 7,24,57
